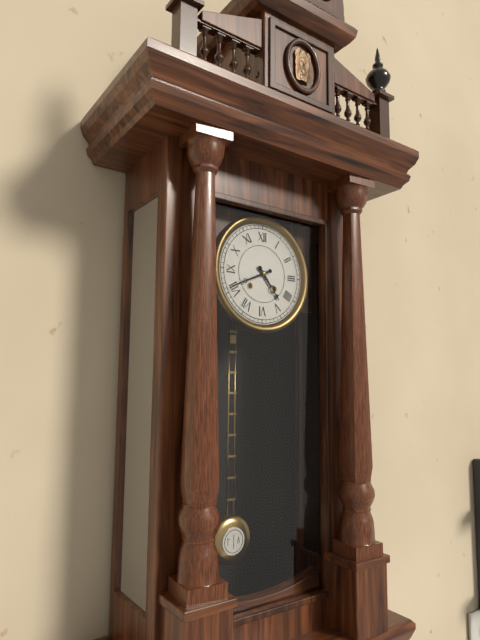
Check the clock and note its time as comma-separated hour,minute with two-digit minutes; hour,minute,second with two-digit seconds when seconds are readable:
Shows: 4,41
